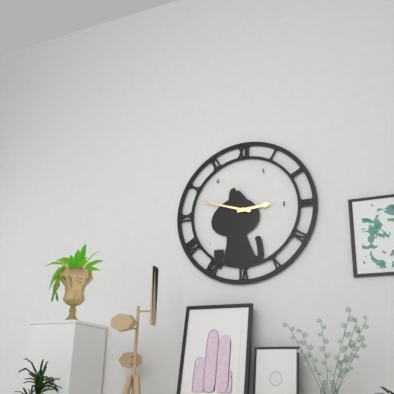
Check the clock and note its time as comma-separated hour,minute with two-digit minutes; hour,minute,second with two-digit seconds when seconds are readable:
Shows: 2,48
